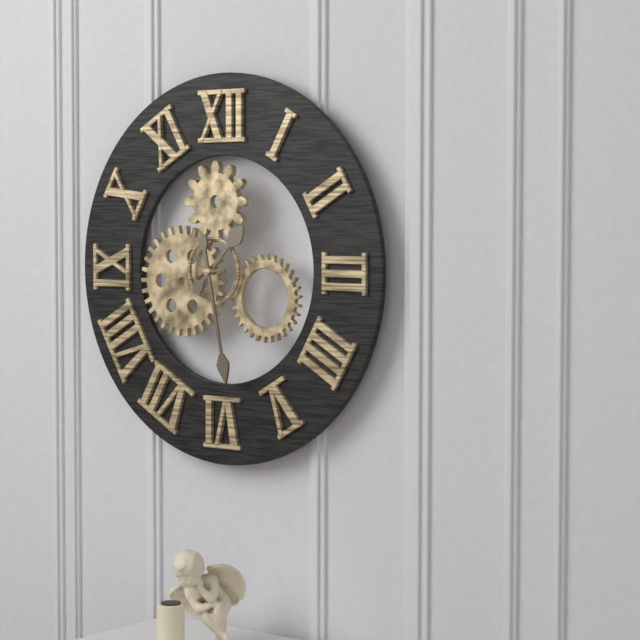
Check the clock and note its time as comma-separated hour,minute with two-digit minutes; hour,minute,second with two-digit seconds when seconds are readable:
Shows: 1,28
